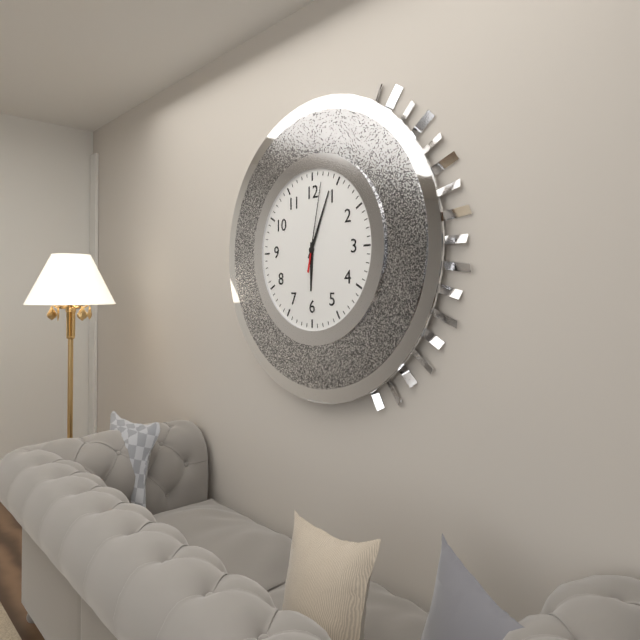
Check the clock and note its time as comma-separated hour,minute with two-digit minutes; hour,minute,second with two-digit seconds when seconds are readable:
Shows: 6,04,02
